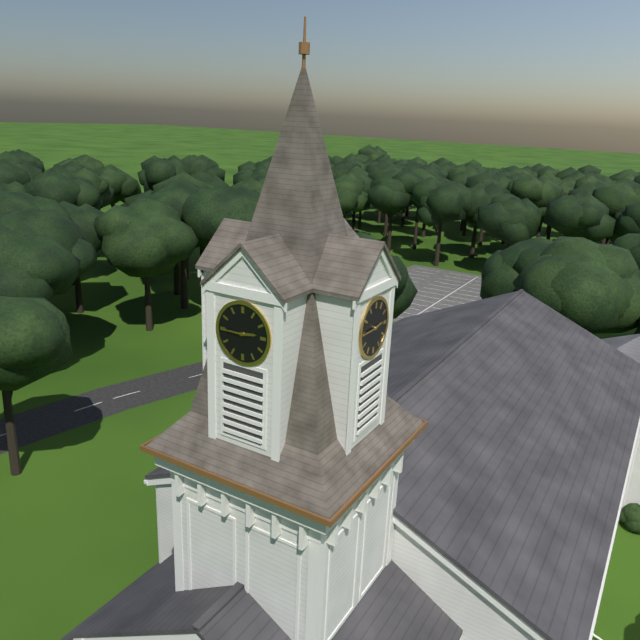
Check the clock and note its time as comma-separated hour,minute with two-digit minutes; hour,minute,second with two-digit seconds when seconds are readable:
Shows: 2,45
